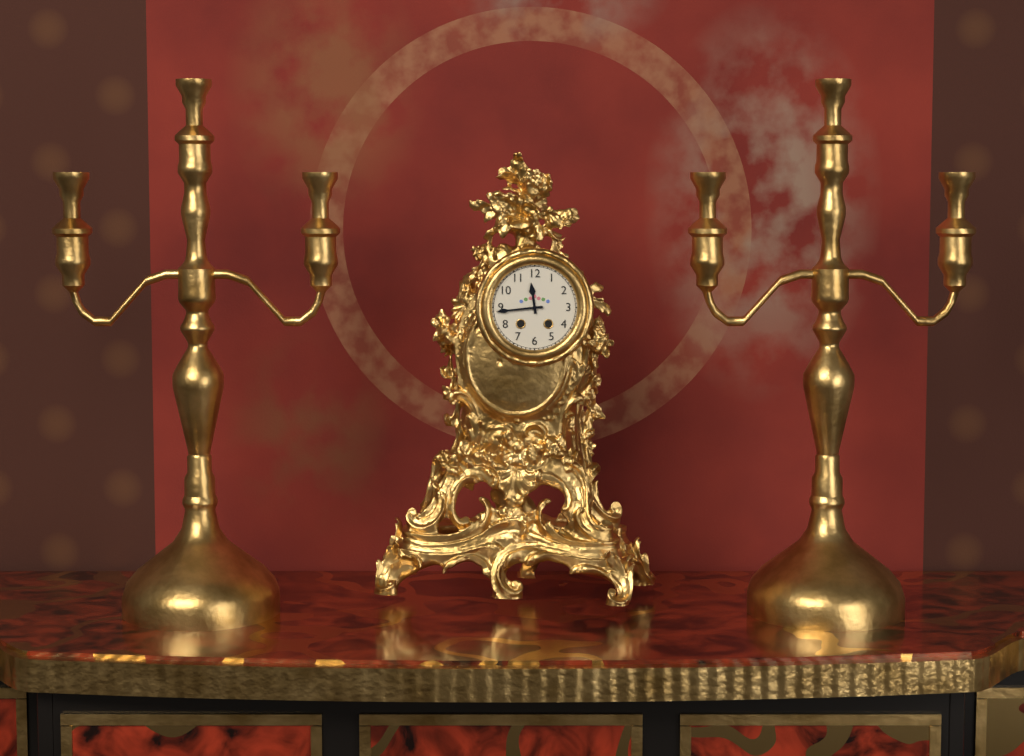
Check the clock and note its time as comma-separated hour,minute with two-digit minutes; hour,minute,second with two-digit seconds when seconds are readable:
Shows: 11,44
